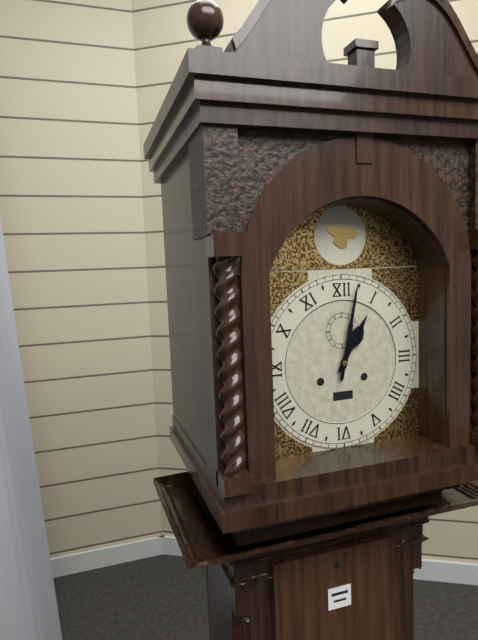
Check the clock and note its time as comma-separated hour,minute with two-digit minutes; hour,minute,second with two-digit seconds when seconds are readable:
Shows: 1,02
